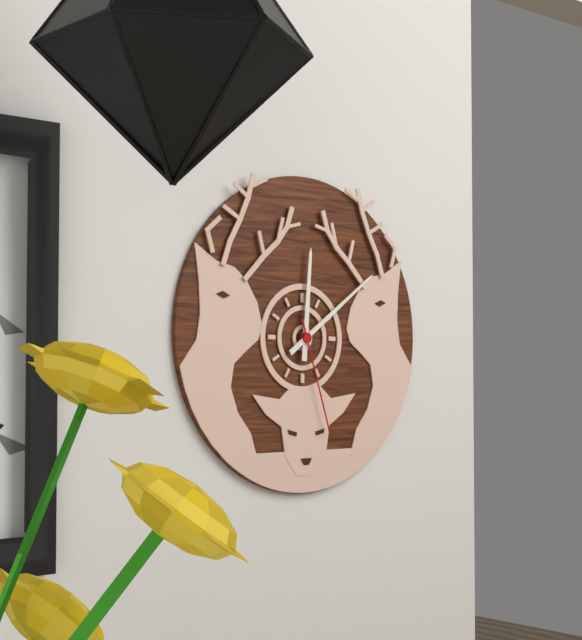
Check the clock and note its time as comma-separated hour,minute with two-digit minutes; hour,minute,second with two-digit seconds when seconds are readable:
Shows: 12,09,27
